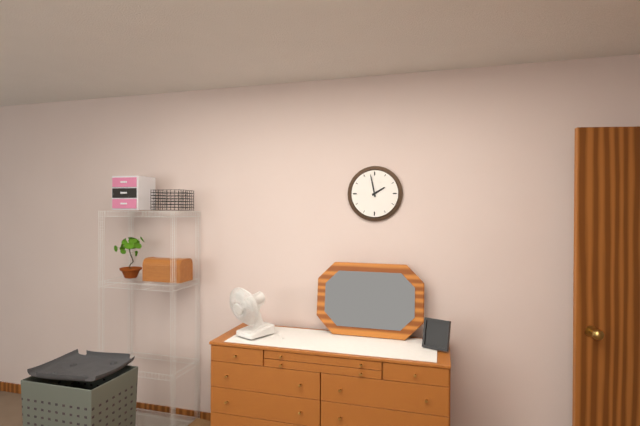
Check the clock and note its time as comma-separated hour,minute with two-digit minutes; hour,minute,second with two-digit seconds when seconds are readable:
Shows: 1,58
